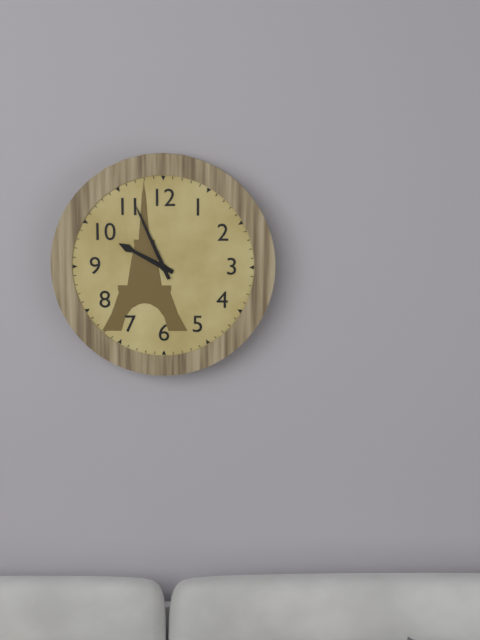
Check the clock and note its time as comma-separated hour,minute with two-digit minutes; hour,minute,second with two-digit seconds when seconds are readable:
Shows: 9,56
